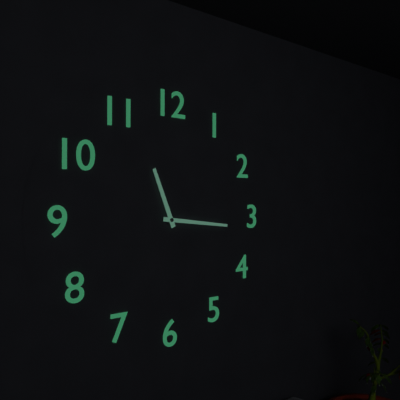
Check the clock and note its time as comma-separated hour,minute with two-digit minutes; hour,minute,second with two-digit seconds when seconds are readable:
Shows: 11,16
